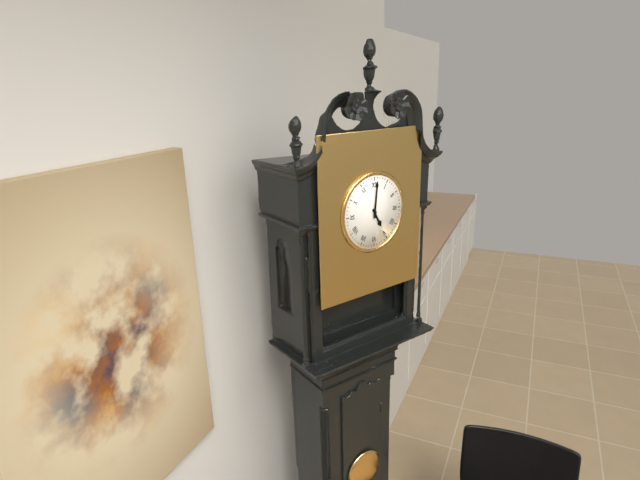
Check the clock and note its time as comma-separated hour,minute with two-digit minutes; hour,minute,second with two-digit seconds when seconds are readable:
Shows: 5,01
